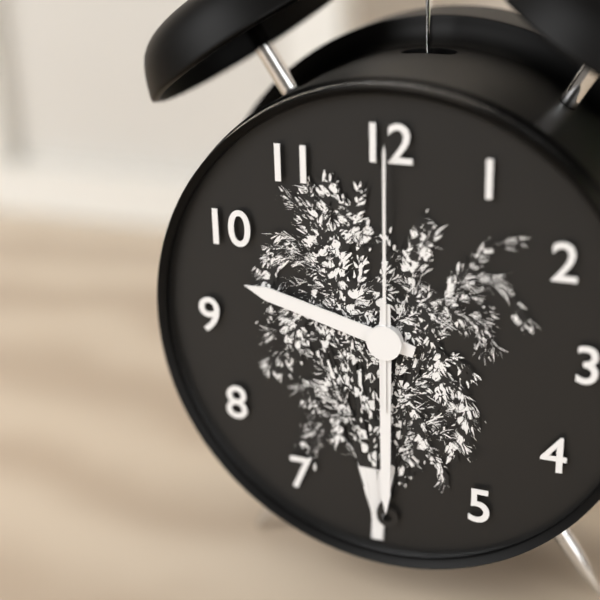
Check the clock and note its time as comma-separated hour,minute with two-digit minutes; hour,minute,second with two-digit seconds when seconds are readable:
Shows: 9,30,00
